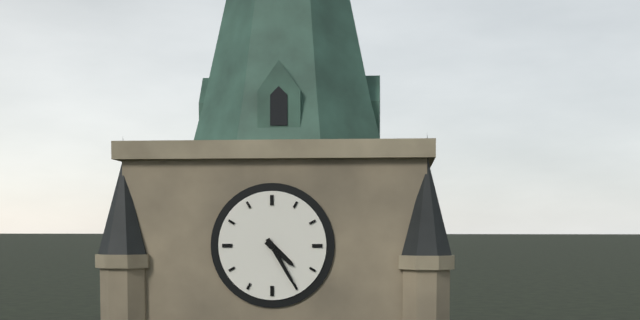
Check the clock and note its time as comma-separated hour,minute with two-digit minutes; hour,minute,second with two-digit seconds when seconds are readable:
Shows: 4,25
